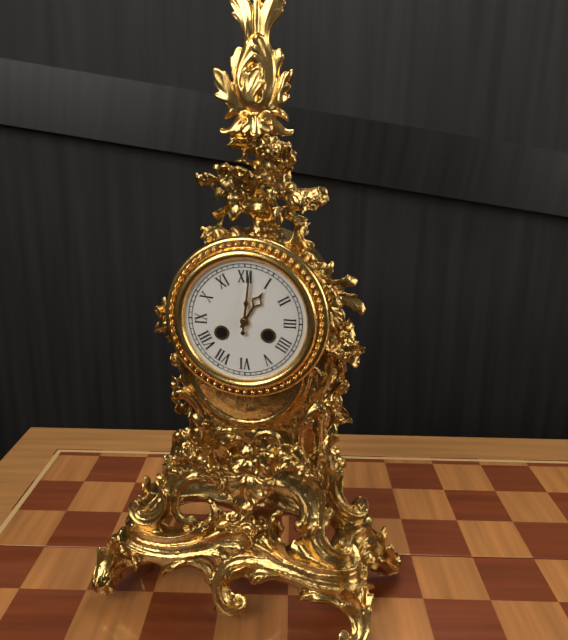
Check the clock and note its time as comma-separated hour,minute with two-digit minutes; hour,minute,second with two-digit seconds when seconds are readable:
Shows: 1,01
